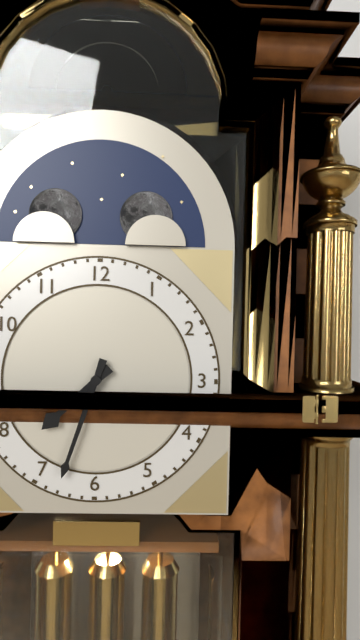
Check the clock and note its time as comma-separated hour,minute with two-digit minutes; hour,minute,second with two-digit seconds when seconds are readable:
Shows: 7,33
